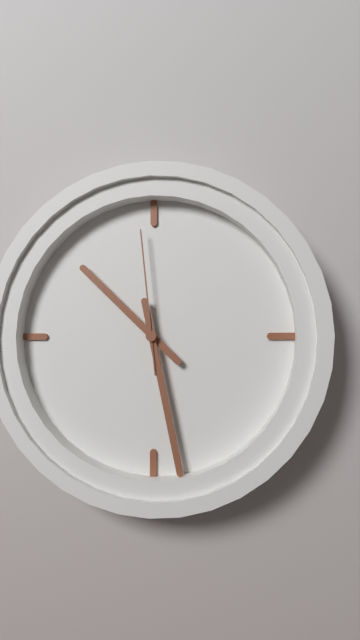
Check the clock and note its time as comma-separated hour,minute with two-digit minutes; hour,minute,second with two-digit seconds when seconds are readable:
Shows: 10,28,59
